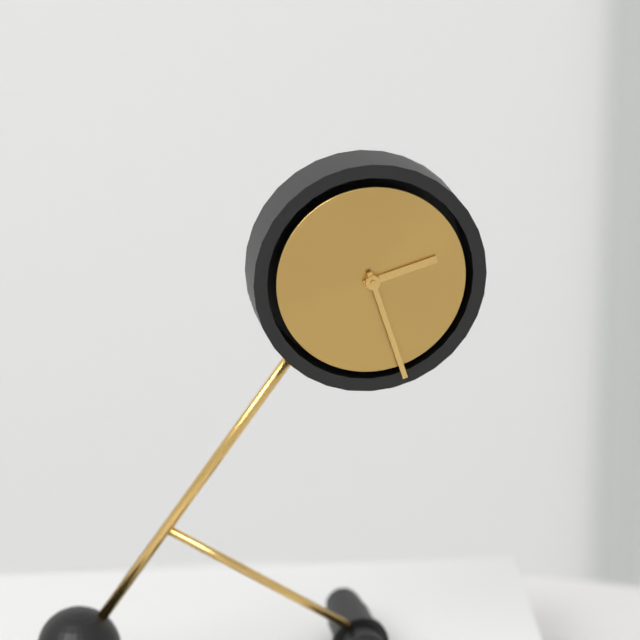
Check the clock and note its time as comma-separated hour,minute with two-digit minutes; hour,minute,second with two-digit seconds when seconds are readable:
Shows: 2,27
